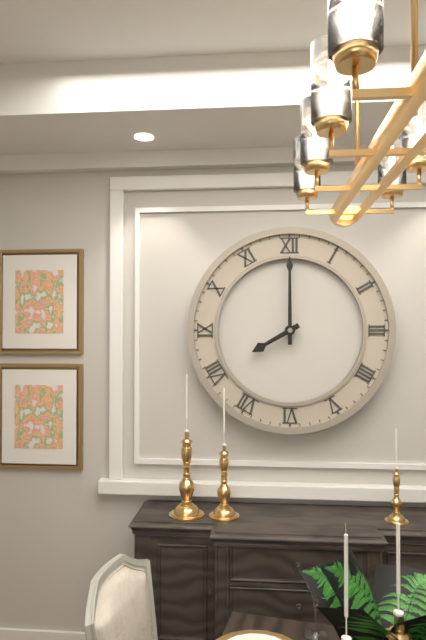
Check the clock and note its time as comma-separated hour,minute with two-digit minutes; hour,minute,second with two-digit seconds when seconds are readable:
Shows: 8,00
